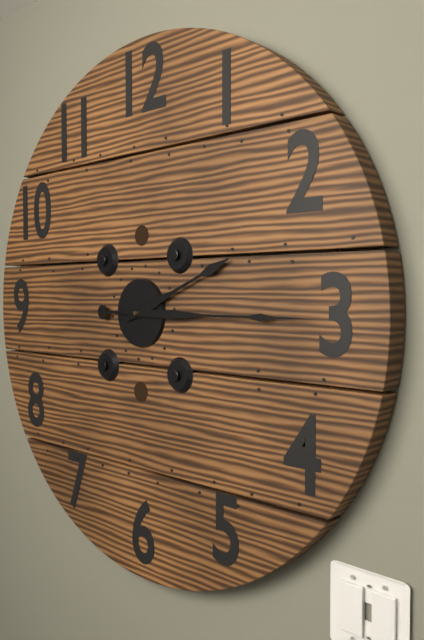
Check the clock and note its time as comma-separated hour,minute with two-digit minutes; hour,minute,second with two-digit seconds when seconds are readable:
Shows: 2,15
